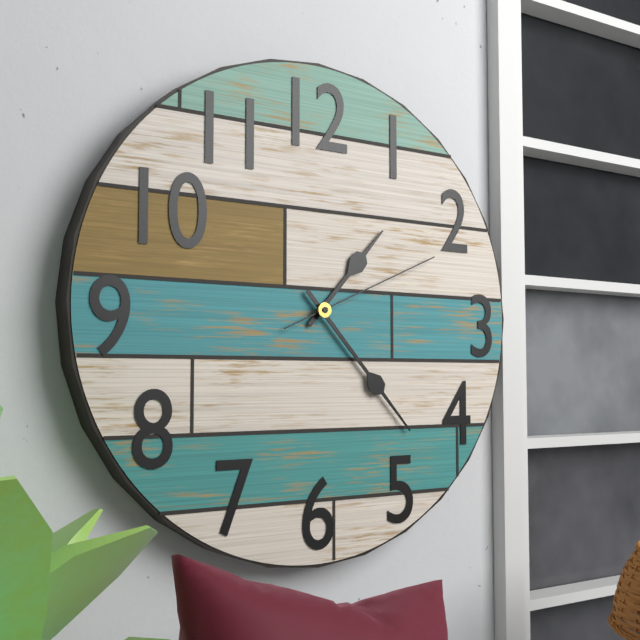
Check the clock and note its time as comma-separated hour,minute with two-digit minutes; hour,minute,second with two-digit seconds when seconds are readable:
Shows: 1,23,11
